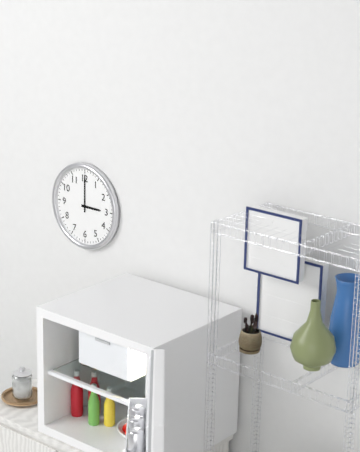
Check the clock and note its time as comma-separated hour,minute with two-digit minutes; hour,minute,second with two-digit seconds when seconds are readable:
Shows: 3,00
